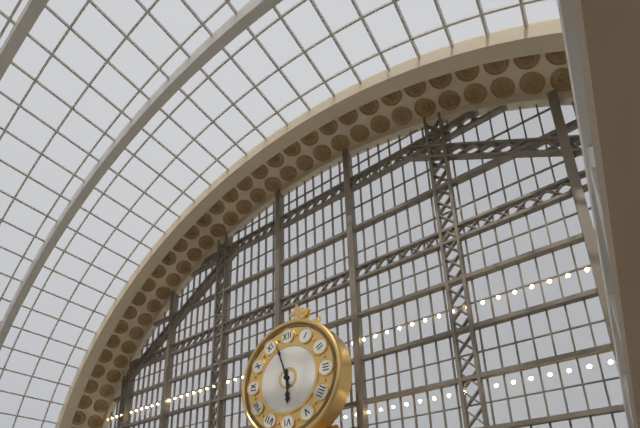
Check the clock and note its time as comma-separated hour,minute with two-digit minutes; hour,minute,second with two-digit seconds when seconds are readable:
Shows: 5,57
